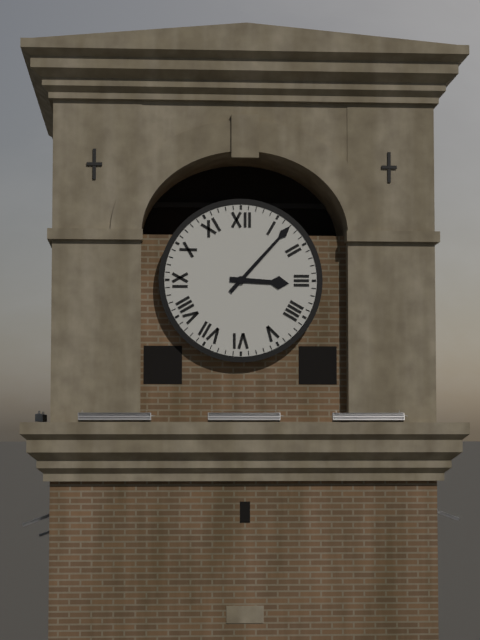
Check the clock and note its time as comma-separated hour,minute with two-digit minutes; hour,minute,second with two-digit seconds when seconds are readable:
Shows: 3,07
